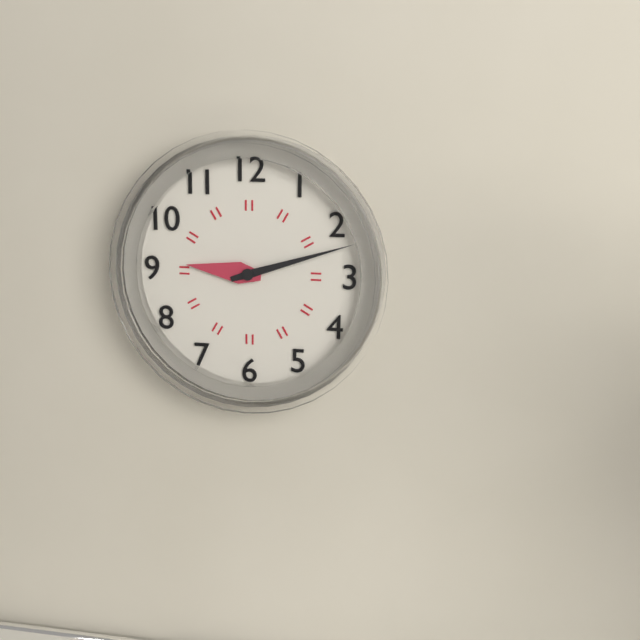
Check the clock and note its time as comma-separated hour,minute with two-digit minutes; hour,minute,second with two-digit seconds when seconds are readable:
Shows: 9,12
